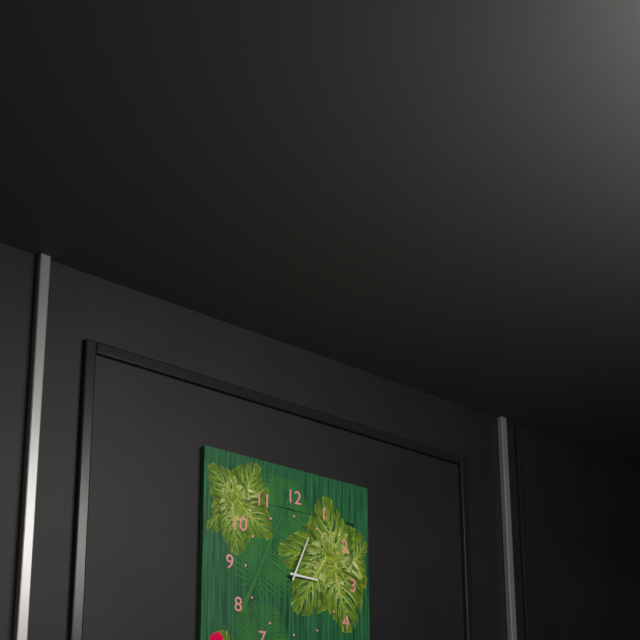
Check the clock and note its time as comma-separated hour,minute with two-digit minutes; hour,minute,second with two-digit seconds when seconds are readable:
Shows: 3,04
